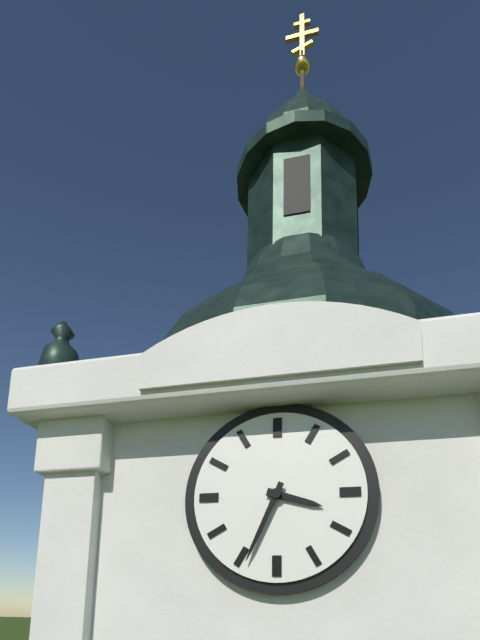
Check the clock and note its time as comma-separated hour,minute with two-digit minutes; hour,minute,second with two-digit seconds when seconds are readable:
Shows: 3,34
